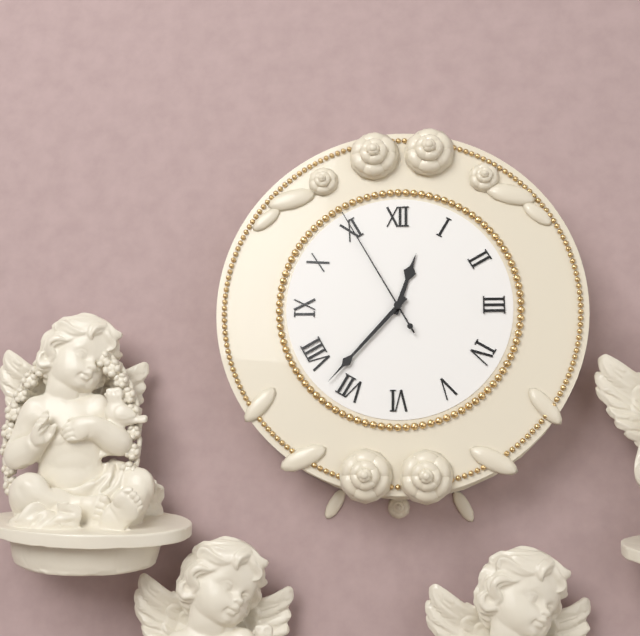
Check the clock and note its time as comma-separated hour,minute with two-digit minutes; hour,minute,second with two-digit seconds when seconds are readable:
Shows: 12,37,55
